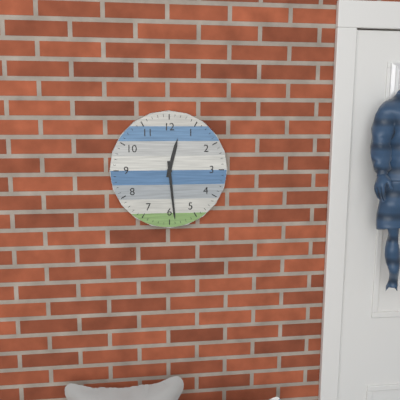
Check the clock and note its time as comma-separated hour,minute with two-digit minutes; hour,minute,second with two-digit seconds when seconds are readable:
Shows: 12,29
